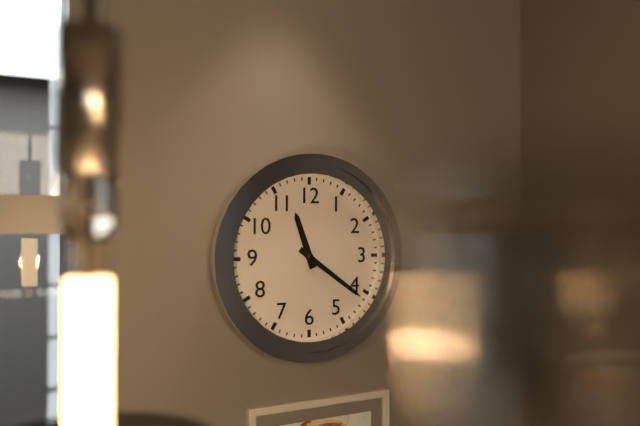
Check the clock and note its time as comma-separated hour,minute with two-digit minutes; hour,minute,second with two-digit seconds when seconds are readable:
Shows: 11,21
